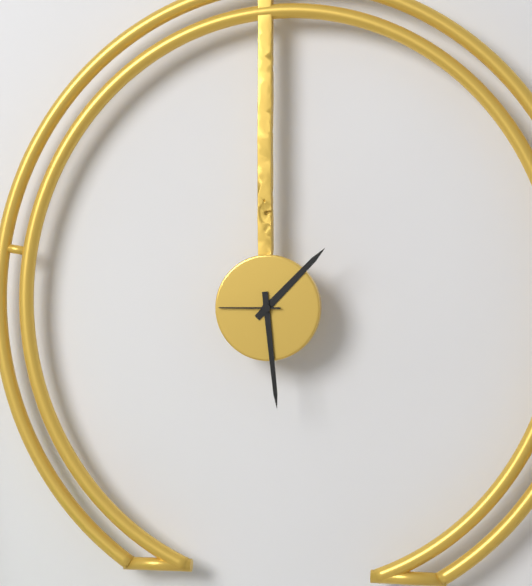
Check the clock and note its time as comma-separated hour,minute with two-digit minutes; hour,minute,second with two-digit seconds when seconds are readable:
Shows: 1,29,45
